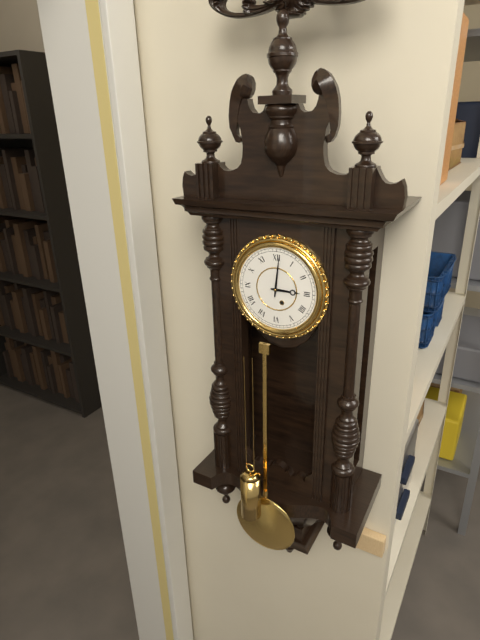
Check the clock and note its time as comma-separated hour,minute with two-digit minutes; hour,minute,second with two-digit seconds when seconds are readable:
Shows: 3,01
